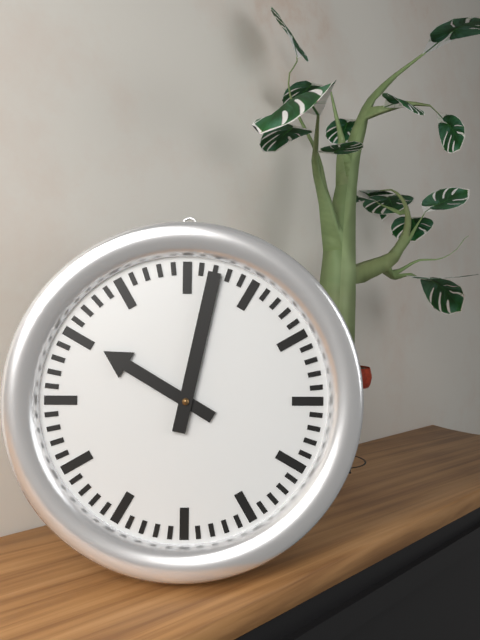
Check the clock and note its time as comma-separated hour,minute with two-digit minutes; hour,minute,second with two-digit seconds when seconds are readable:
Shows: 10,02
